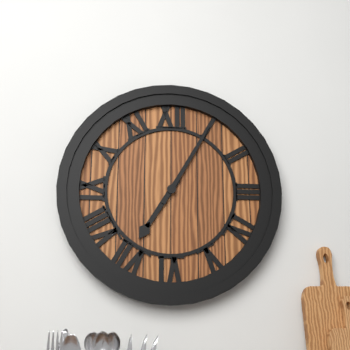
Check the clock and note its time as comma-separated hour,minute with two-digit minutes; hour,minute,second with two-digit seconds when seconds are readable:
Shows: 7,05
